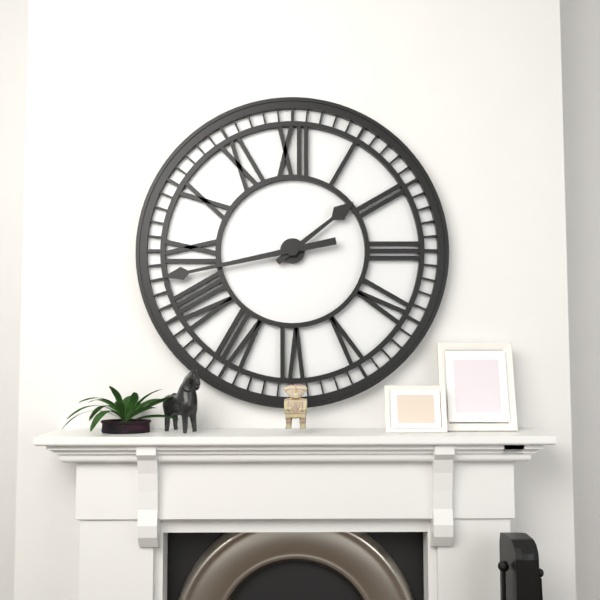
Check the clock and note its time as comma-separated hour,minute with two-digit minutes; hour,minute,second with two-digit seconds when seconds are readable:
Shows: 1,43
